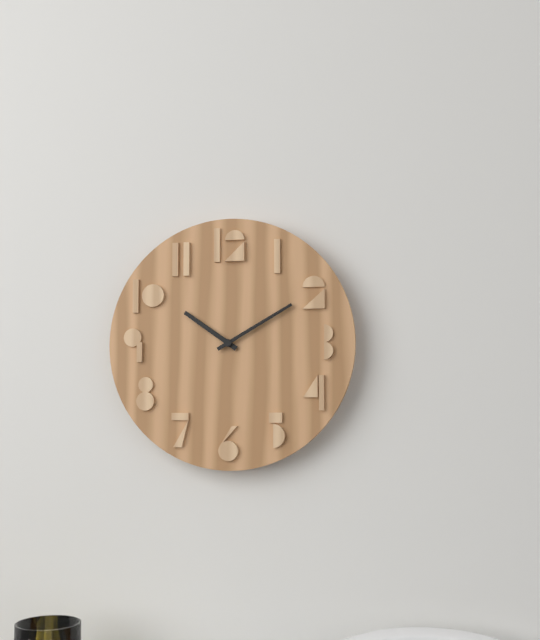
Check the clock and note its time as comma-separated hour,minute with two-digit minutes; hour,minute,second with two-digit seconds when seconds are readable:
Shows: 10,10
